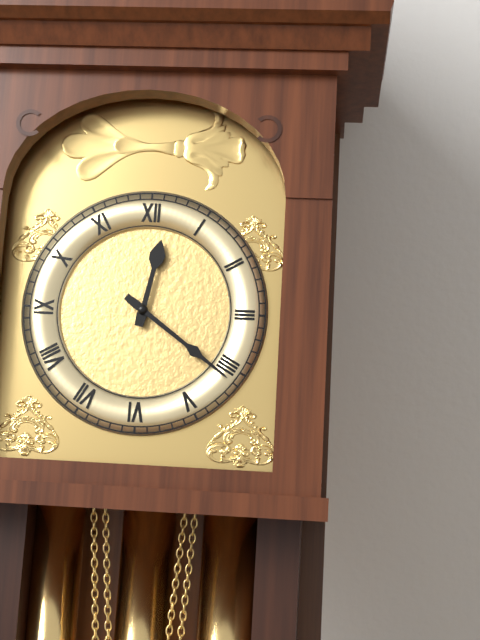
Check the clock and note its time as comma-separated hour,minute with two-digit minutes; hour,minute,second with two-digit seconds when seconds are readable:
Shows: 12,21
